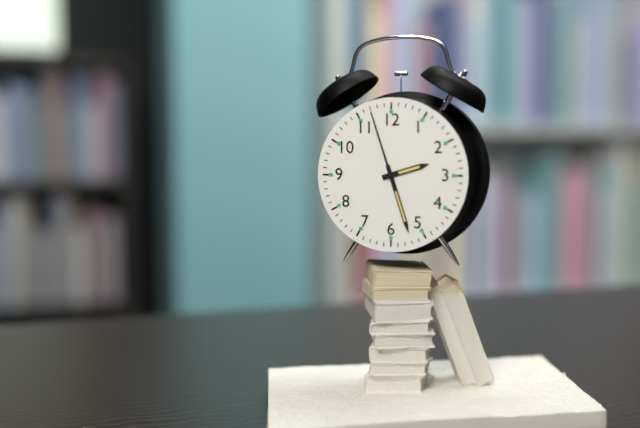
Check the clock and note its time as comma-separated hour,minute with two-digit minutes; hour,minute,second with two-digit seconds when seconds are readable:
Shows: 2,27,57
